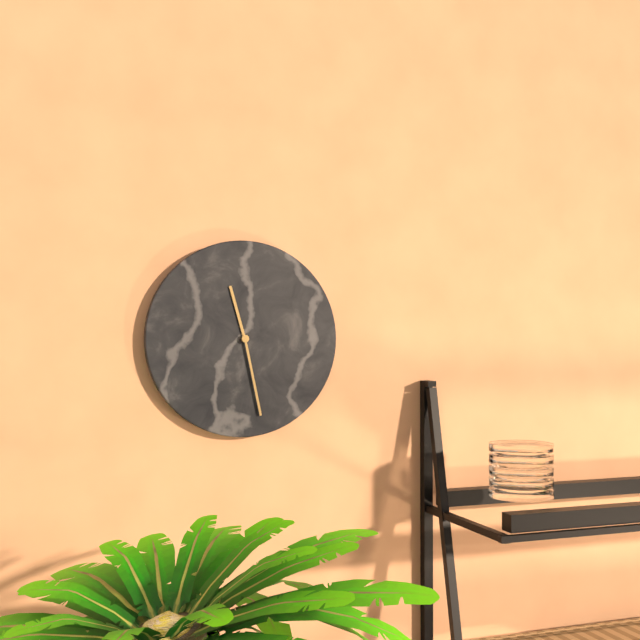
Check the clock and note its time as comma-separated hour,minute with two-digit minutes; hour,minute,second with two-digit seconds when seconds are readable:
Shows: 11,28
